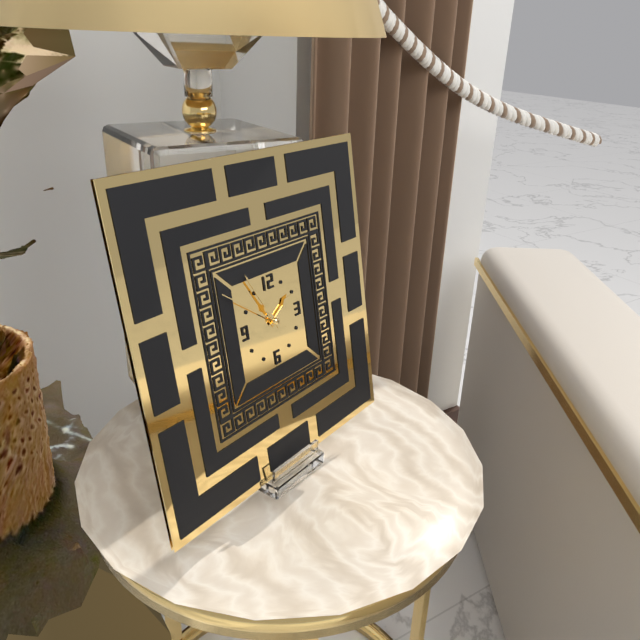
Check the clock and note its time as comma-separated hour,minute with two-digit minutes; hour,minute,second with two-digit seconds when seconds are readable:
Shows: 1,55,51
